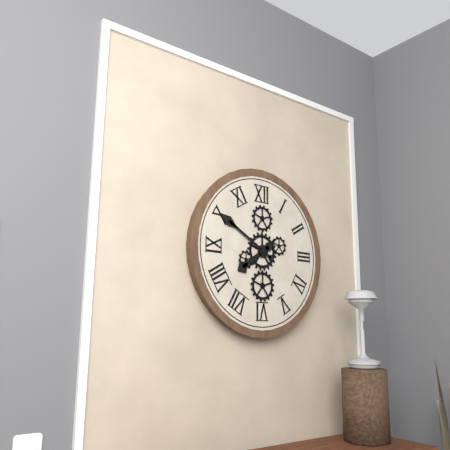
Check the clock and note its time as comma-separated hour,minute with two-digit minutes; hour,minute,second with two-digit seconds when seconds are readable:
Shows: 7,50
